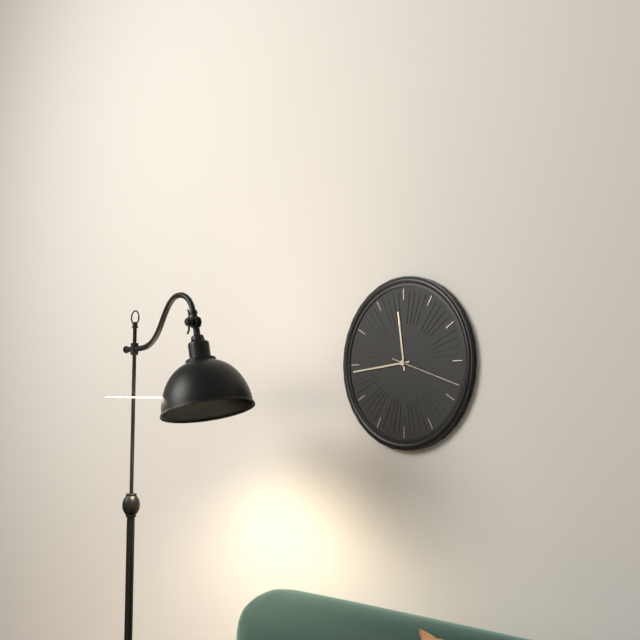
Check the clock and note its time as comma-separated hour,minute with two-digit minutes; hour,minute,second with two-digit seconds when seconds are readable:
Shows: 11,44,18
